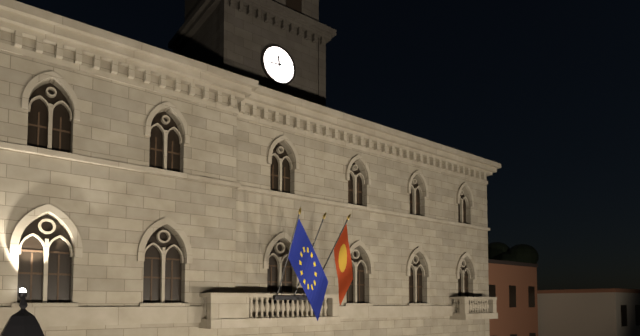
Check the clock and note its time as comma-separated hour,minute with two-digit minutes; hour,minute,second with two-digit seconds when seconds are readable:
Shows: 11,44
